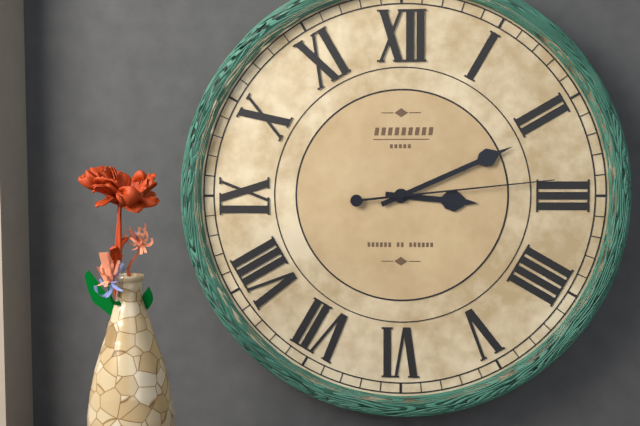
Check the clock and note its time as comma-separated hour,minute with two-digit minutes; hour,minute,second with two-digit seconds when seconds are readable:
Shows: 3,11,14
